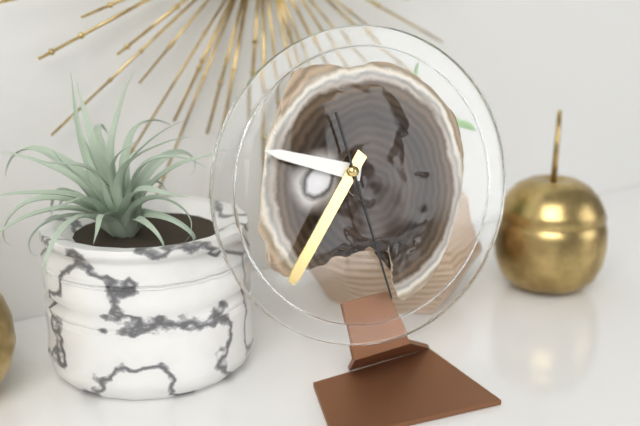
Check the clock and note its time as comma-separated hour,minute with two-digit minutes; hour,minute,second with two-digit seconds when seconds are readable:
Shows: 9,37,28
